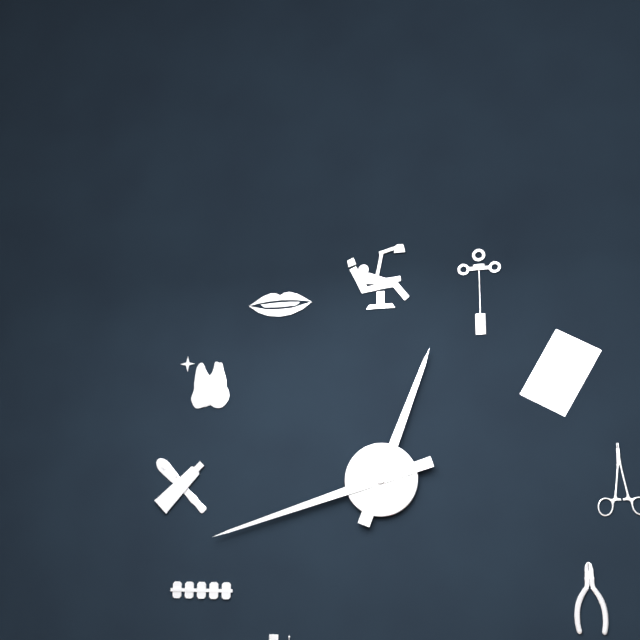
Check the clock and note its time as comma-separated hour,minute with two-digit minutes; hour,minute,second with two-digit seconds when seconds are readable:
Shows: 12,42
